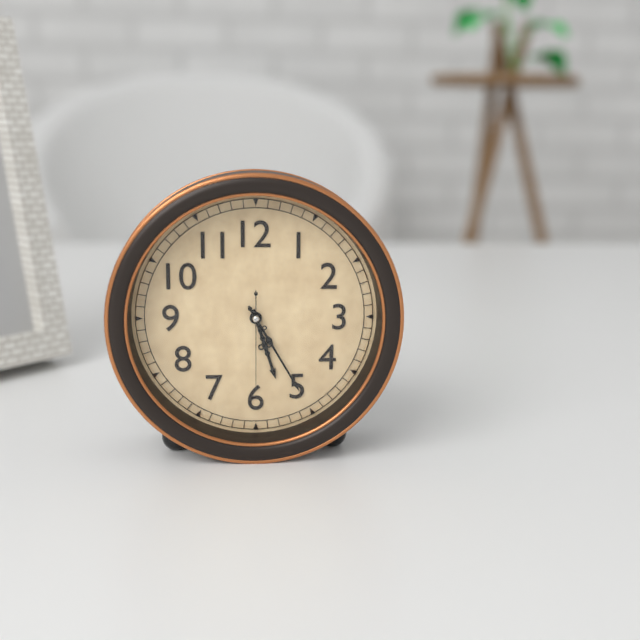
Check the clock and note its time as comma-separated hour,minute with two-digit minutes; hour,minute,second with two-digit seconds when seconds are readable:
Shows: 5,25,30
